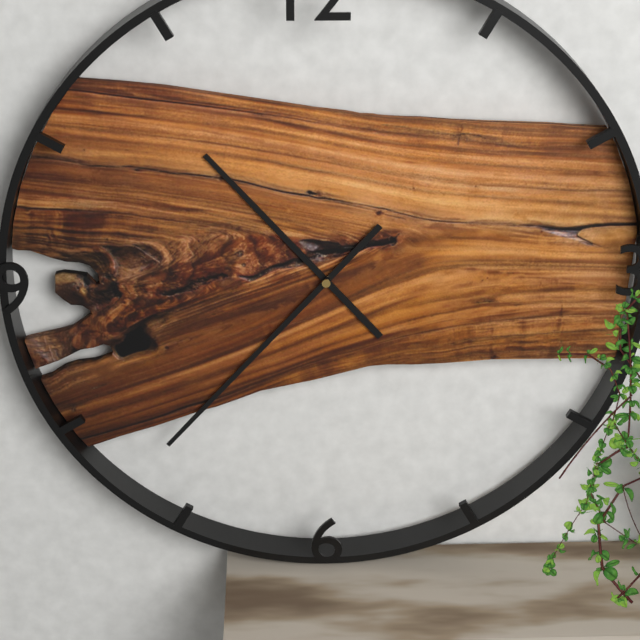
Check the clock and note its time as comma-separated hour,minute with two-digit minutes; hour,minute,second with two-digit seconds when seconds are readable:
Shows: 10,37
